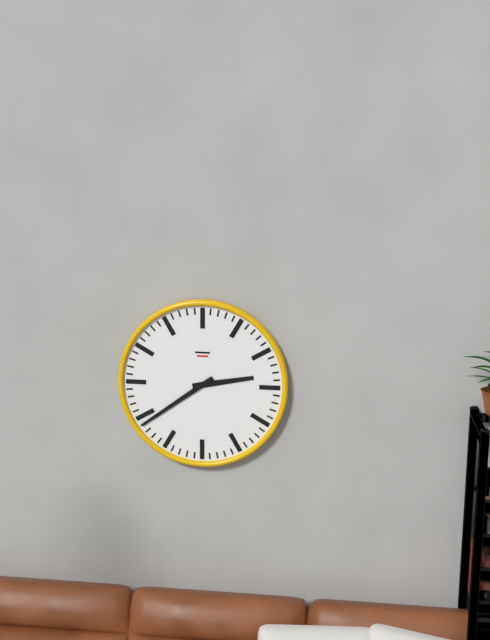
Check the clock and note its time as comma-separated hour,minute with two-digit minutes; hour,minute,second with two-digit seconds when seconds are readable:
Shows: 2,39
